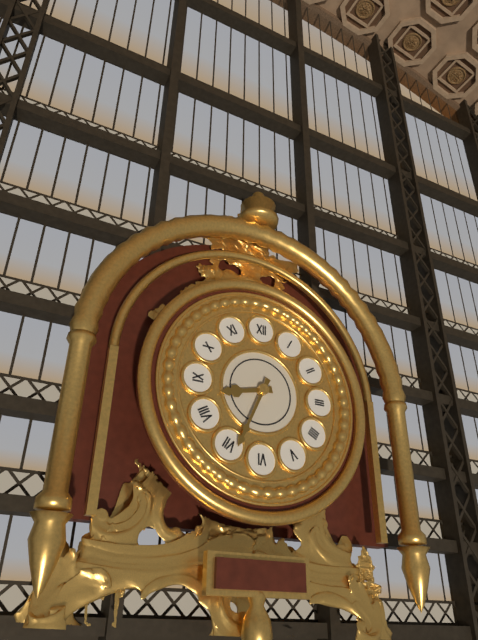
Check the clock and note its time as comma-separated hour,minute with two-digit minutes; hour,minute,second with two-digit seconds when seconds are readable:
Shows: 8,34
